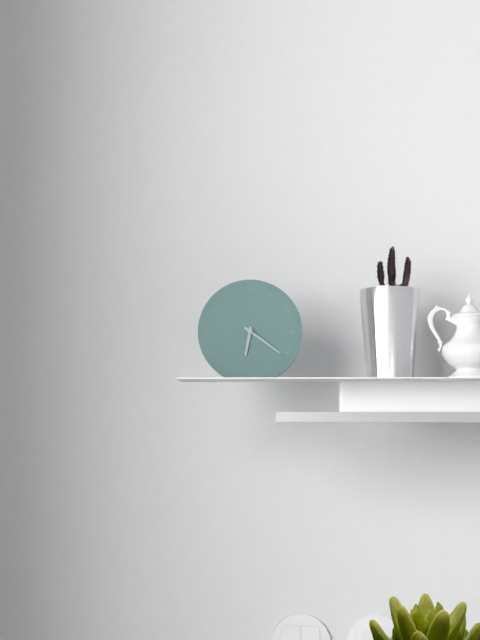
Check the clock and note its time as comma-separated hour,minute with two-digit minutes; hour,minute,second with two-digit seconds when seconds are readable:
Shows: 6,21
